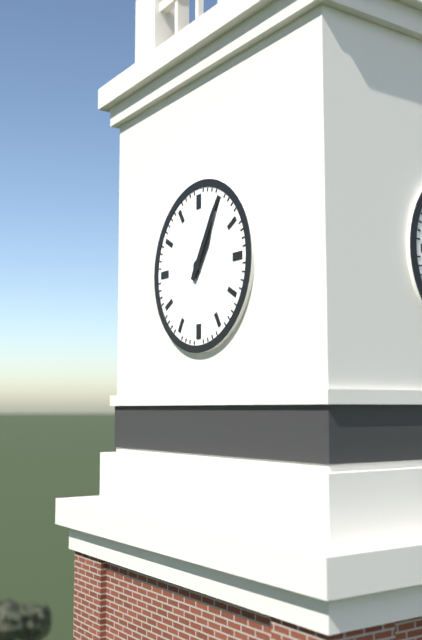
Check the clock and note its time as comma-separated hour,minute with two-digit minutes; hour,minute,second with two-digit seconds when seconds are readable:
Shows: 1,05
